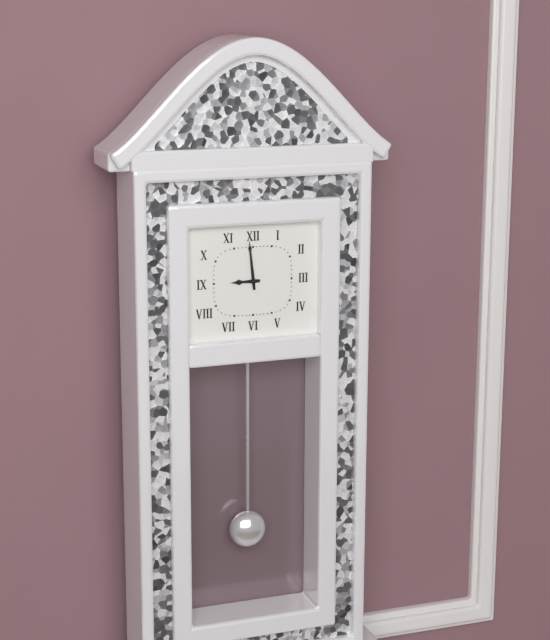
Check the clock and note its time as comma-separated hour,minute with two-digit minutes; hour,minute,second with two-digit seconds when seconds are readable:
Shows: 8,59
